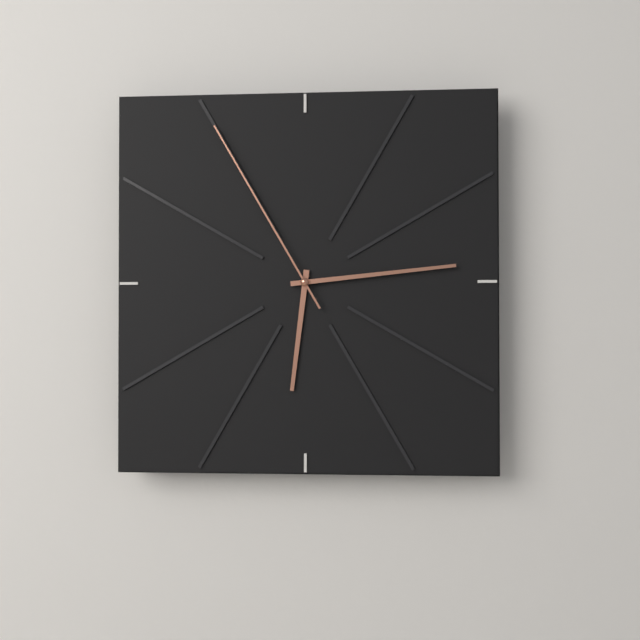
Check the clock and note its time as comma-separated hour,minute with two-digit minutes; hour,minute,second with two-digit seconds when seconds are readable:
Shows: 6,14,55
